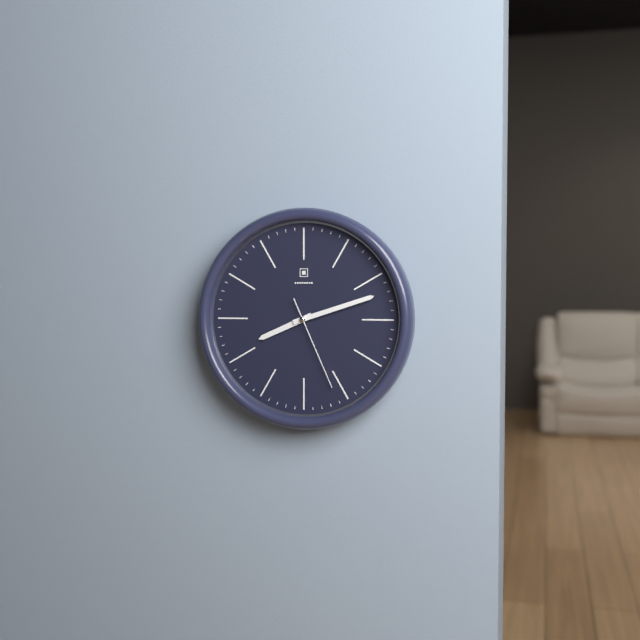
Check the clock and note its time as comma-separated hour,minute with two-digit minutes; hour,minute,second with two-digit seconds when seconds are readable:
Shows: 8,12,26
